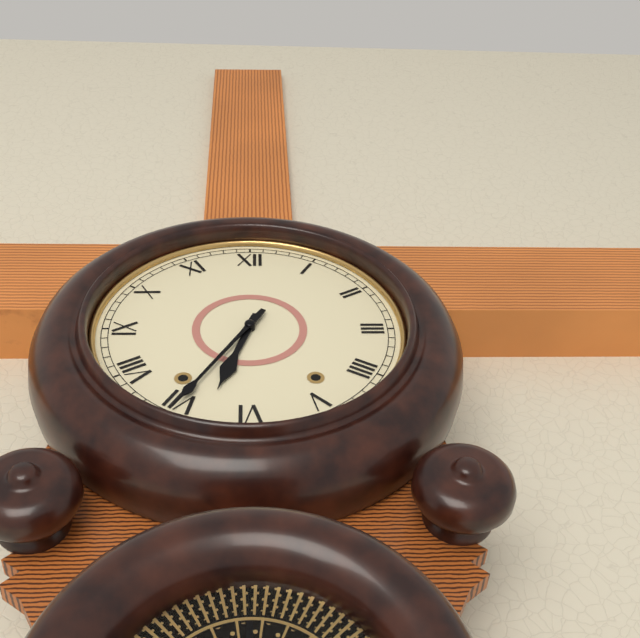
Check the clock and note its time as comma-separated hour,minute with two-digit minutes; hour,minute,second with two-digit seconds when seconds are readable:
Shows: 6,35
